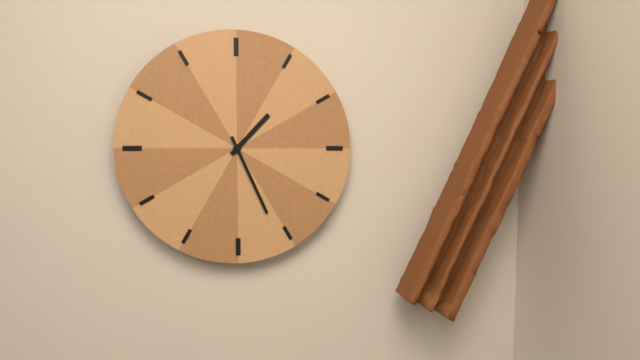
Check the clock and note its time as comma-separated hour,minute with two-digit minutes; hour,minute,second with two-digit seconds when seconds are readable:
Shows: 1,26
